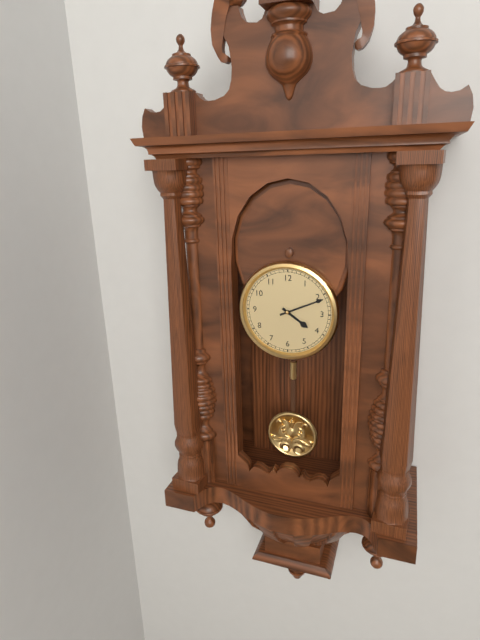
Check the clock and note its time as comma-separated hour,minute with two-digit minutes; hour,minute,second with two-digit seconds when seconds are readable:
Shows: 4,11
